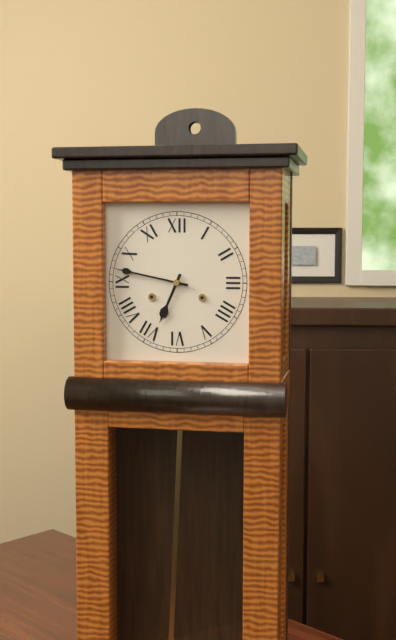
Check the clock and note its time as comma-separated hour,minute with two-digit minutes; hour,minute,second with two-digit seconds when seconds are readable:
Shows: 6,47
